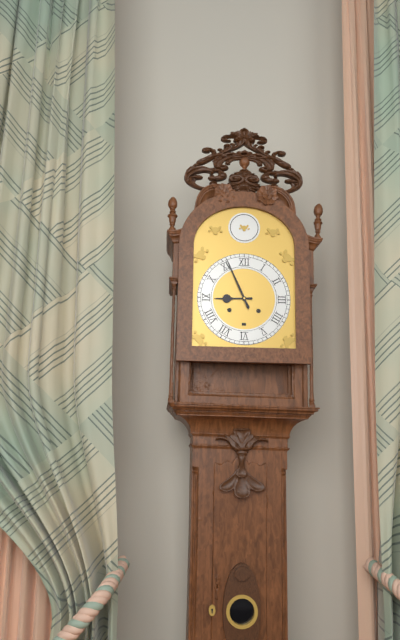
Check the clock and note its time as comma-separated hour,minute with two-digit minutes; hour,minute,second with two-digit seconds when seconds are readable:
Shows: 8,56
